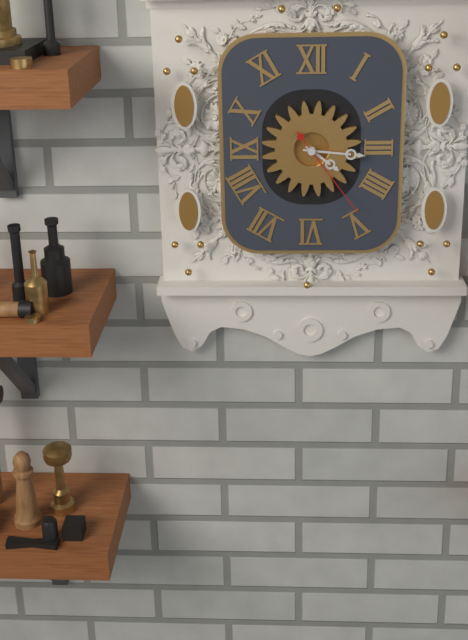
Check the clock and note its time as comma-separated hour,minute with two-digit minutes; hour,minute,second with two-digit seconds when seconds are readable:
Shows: 4,16,24
